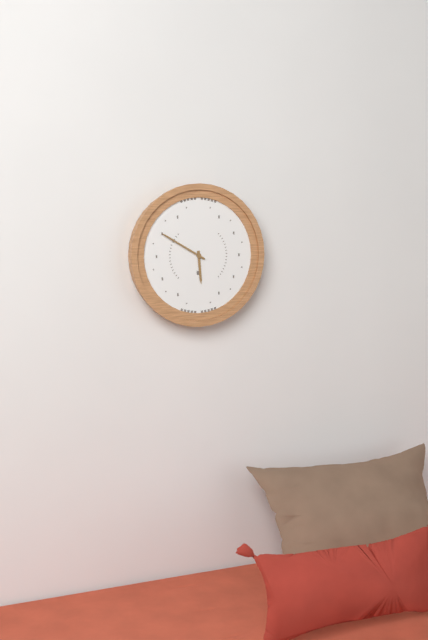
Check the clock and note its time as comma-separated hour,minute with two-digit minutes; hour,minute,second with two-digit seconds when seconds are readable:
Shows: 5,50
